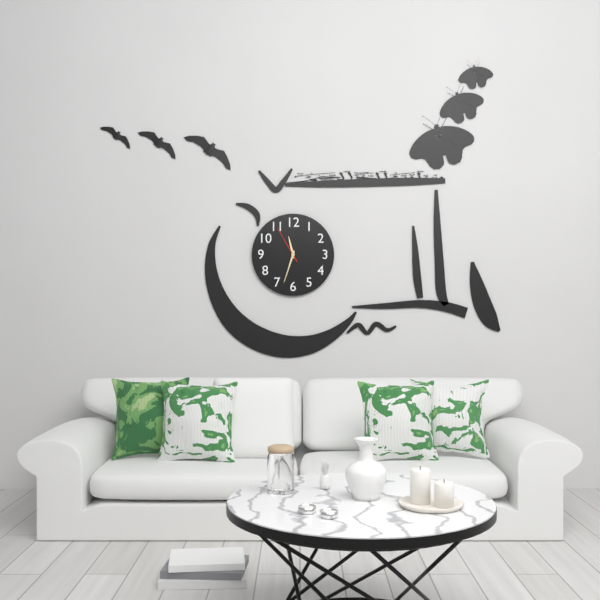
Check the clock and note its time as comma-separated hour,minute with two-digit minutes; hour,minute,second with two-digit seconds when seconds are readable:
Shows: 11,33
